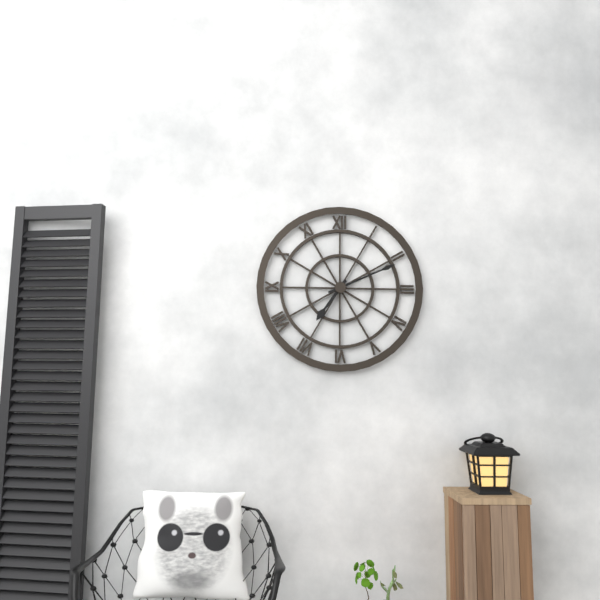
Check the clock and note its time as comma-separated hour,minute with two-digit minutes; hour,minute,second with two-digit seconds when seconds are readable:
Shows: 7,11
